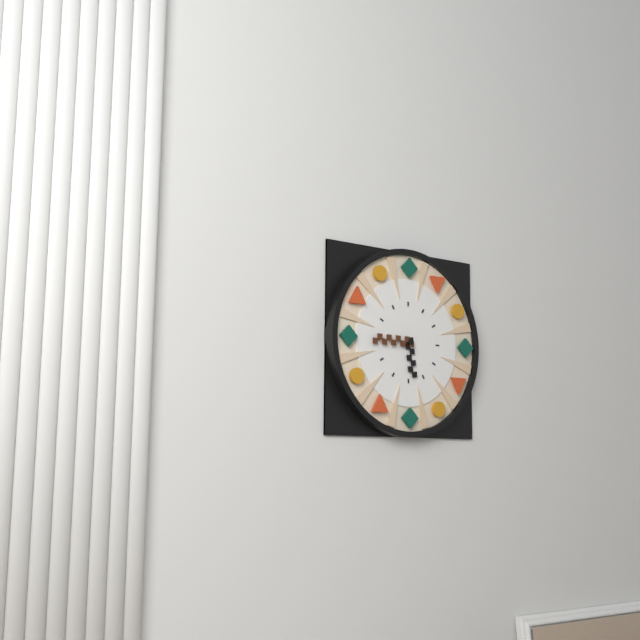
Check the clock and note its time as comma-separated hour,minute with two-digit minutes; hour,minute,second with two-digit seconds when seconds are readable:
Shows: 5,45
